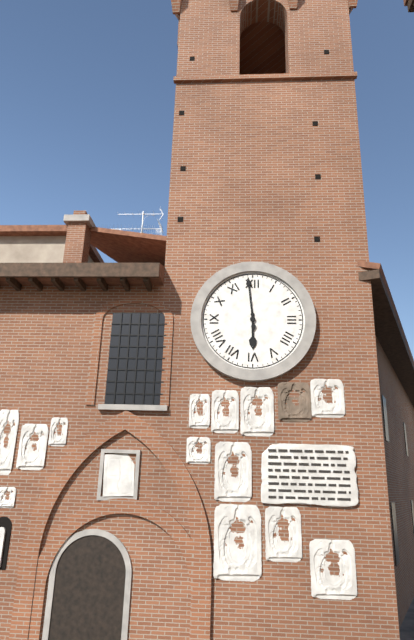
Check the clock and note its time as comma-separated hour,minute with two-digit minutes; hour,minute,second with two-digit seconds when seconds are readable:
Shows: 5,59
